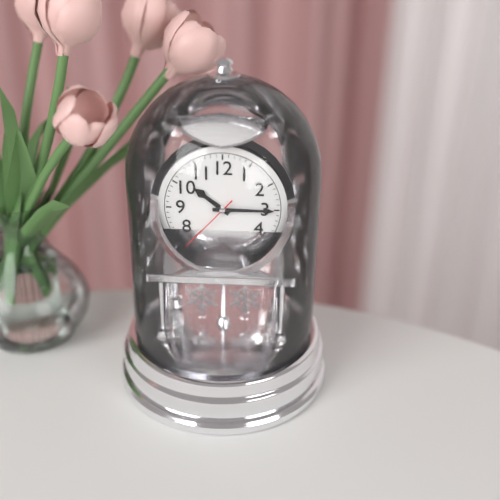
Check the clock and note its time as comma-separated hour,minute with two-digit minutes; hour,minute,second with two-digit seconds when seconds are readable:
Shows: 10,15,37
